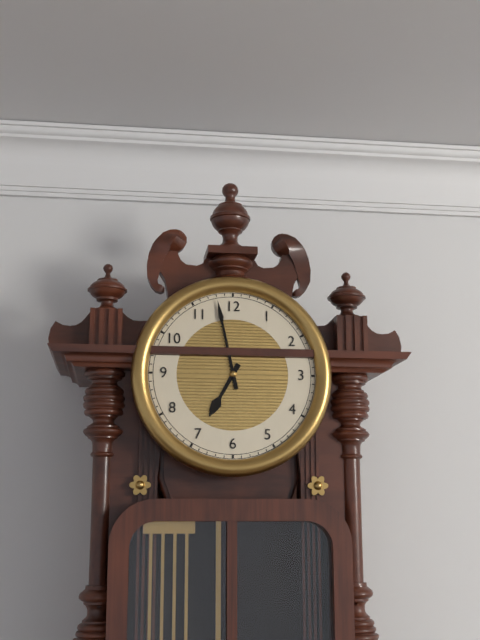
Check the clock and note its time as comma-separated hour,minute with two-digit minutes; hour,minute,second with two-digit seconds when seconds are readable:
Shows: 6,58
